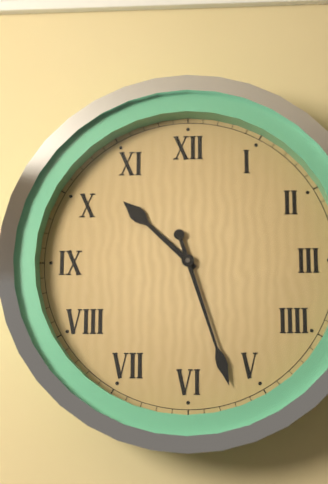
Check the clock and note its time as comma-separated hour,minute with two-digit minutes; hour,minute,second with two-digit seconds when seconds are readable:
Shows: 10,27
